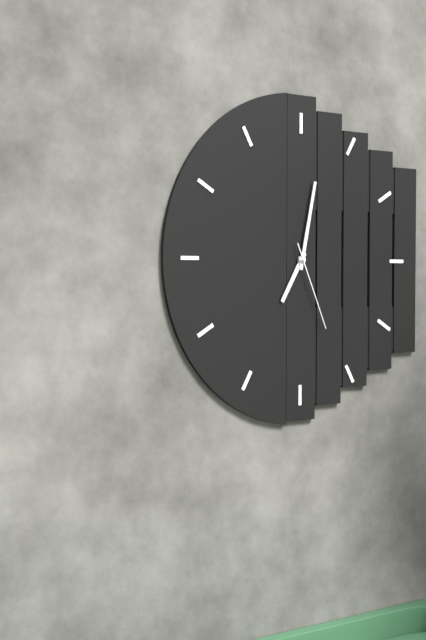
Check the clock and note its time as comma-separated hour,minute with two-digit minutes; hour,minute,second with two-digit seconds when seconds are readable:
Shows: 7,02,26
